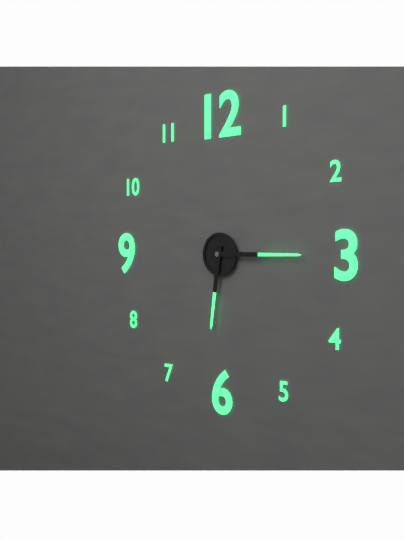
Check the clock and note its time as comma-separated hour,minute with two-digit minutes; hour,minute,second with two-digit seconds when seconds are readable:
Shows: 6,15
